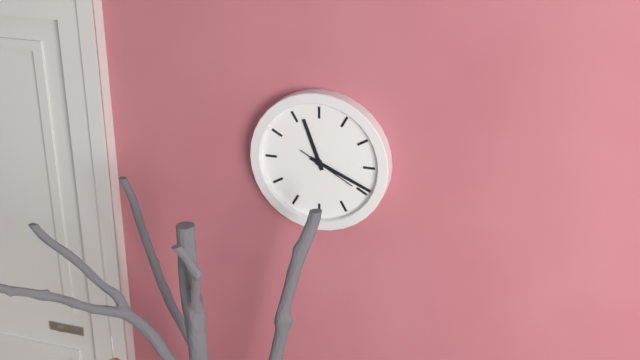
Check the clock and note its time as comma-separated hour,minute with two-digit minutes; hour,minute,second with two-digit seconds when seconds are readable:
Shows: 11,19,20
